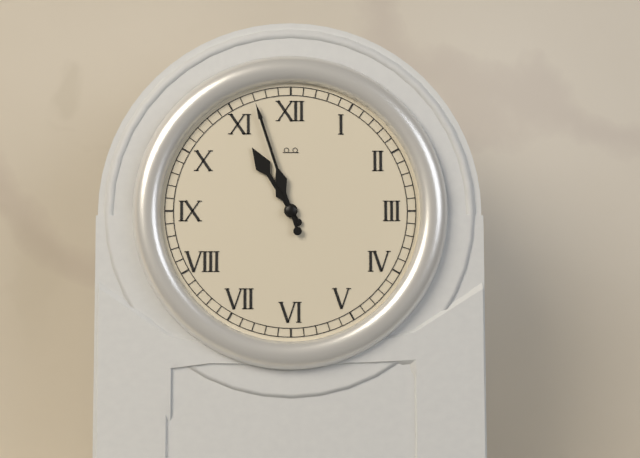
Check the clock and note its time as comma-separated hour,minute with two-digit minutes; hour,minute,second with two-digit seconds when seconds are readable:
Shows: 10,57
